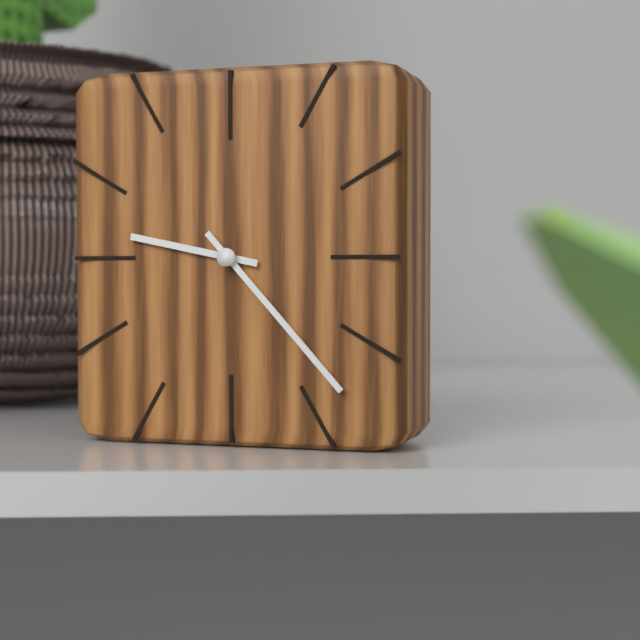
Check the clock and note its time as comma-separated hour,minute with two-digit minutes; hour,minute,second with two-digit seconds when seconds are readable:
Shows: 9,23
